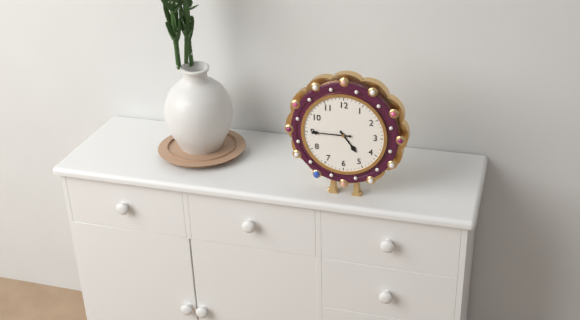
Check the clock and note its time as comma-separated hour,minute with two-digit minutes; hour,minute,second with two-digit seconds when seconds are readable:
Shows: 4,45
